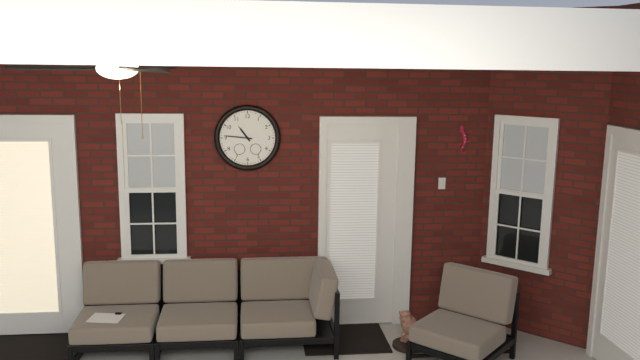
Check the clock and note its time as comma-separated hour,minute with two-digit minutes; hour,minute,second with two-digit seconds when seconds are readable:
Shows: 10,46
